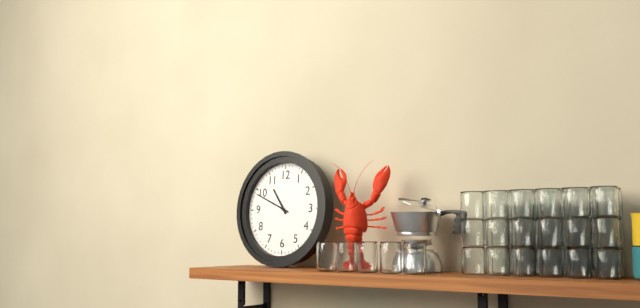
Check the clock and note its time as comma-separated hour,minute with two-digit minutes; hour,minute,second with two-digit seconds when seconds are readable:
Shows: 10,49
